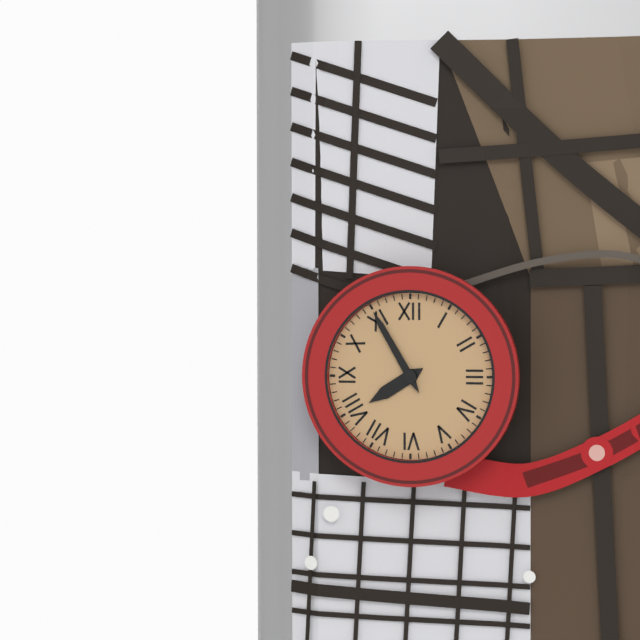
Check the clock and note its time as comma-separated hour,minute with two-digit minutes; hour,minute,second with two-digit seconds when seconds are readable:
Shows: 7,55
